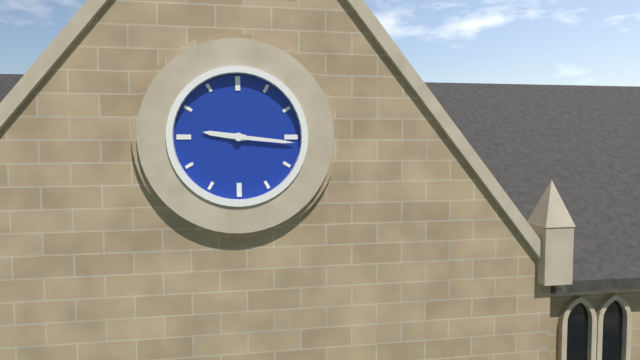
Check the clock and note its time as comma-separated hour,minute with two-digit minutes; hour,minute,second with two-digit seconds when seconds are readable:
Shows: 9,16
